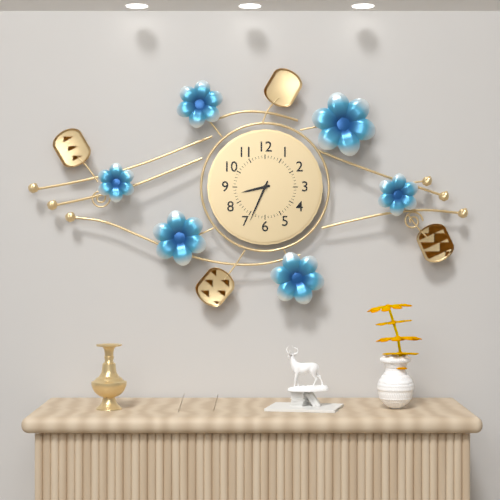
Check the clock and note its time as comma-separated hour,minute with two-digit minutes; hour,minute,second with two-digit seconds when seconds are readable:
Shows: 8,34
